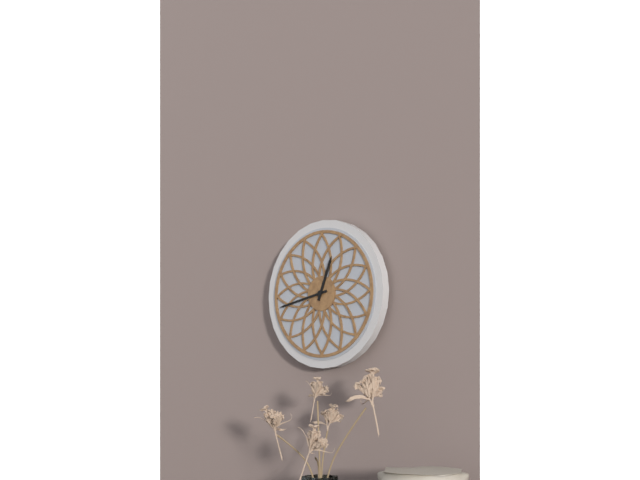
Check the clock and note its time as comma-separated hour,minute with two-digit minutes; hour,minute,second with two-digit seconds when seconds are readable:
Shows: 12,43
